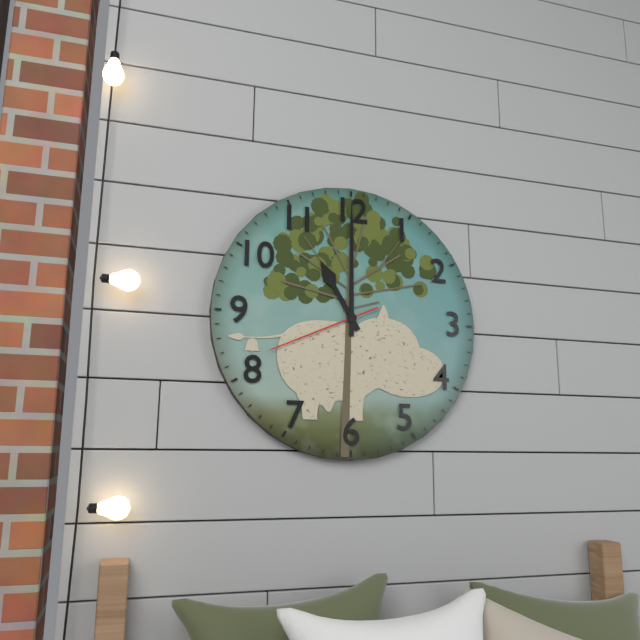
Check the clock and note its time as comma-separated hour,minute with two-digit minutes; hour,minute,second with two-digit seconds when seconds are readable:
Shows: 11,00,41
